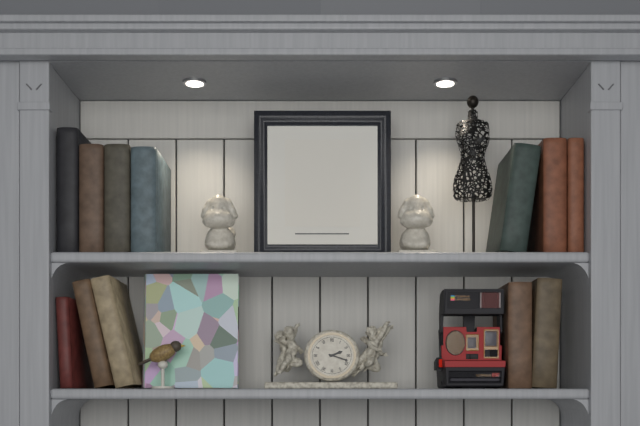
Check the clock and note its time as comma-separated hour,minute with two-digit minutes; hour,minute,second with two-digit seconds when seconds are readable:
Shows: 2,18
